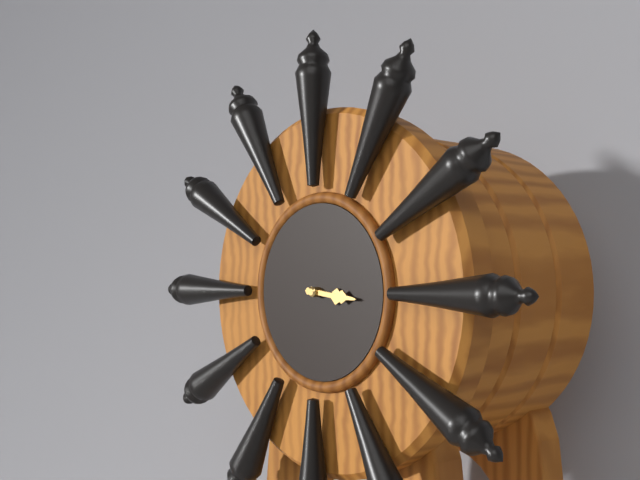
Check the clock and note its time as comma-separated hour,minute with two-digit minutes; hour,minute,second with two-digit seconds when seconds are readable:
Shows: 3,16
